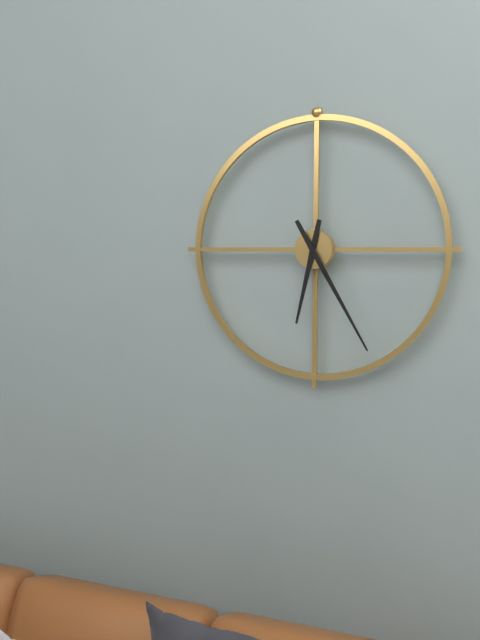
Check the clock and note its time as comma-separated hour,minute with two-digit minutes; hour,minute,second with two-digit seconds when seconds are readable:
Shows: 6,25
